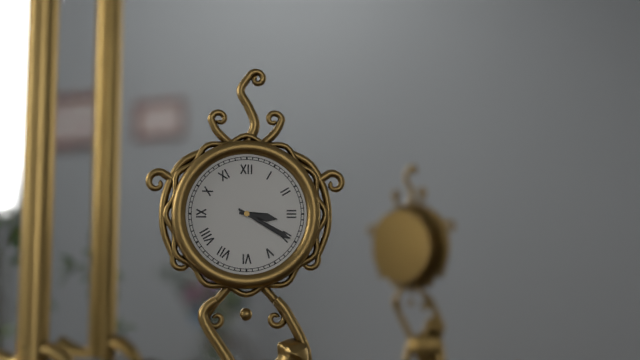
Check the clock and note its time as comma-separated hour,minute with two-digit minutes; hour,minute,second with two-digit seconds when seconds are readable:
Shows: 3,20
